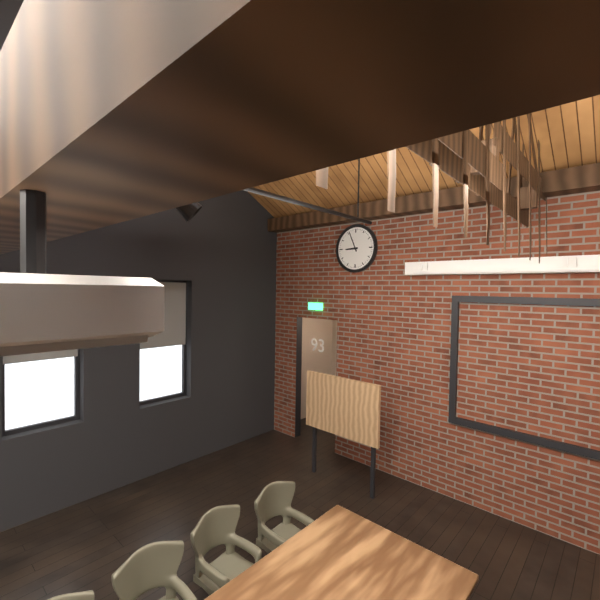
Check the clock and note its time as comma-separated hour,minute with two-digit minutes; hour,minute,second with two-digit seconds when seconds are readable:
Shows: 8,56
